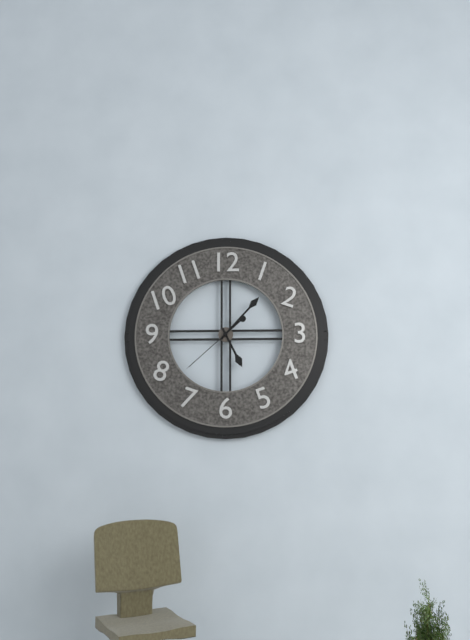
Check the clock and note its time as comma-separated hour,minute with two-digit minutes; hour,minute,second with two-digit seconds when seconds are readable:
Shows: 5,07,38
